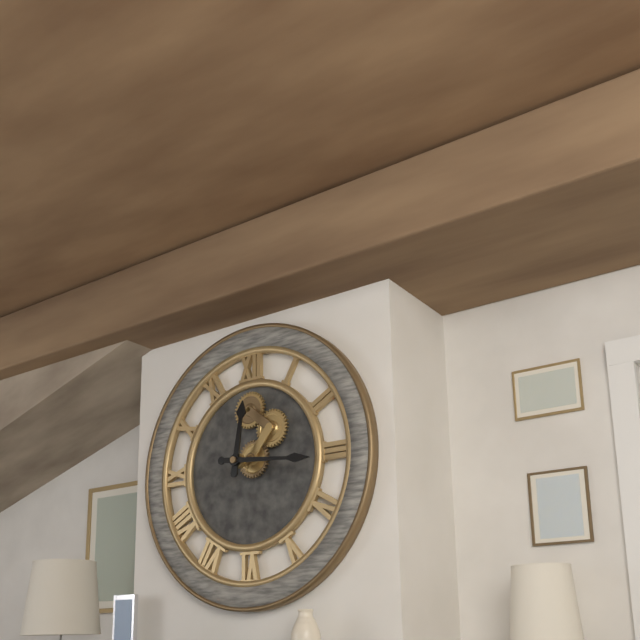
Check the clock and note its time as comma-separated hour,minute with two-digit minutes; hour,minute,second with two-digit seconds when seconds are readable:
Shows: 12,16
